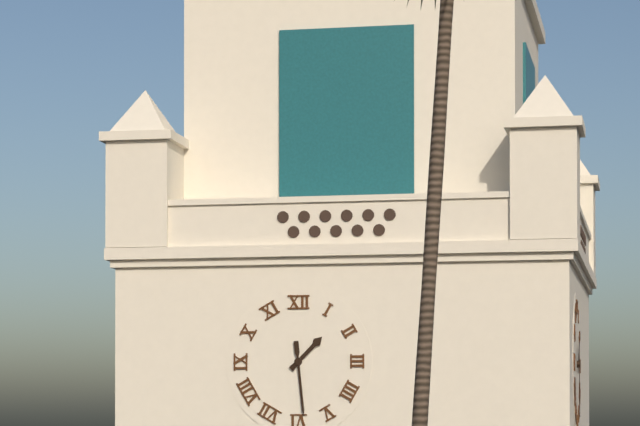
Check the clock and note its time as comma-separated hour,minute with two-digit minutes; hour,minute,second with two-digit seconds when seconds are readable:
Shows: 1,29
